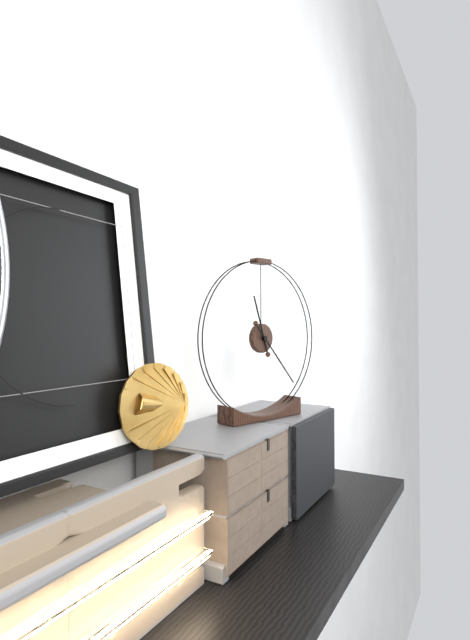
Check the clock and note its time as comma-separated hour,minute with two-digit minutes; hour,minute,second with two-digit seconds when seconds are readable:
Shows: 11,23
